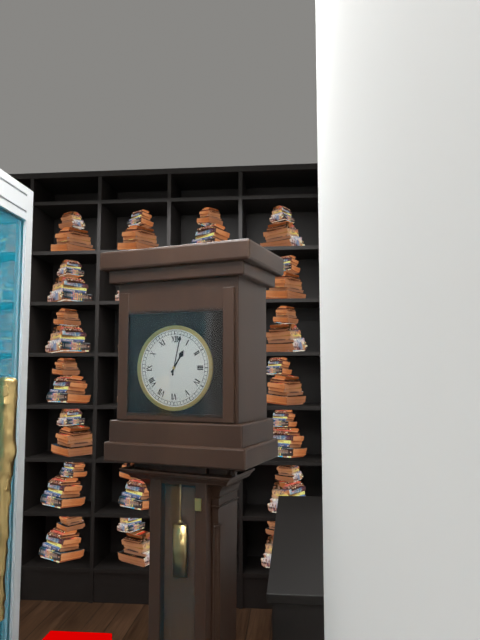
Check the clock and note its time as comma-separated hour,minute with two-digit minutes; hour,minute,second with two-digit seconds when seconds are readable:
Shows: 1,02
